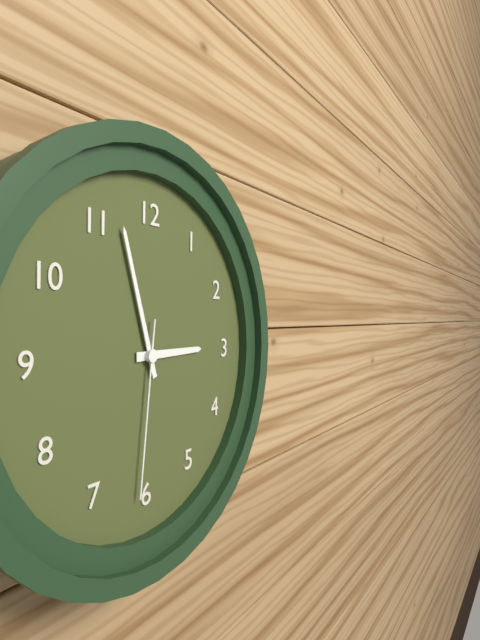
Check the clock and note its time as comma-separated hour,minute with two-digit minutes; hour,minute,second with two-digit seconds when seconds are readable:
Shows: 2,57,31
